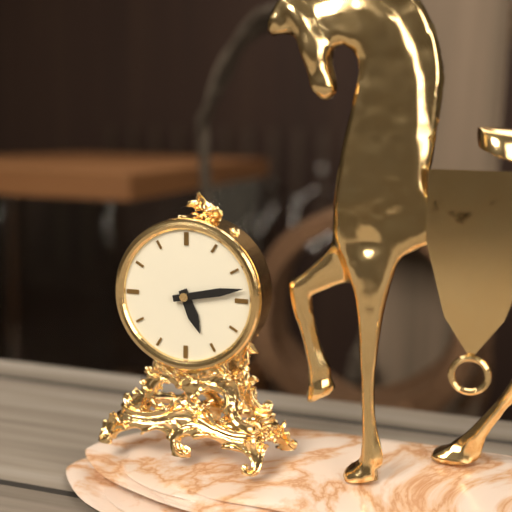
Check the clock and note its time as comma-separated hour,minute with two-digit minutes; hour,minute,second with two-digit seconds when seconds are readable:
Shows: 5,13
